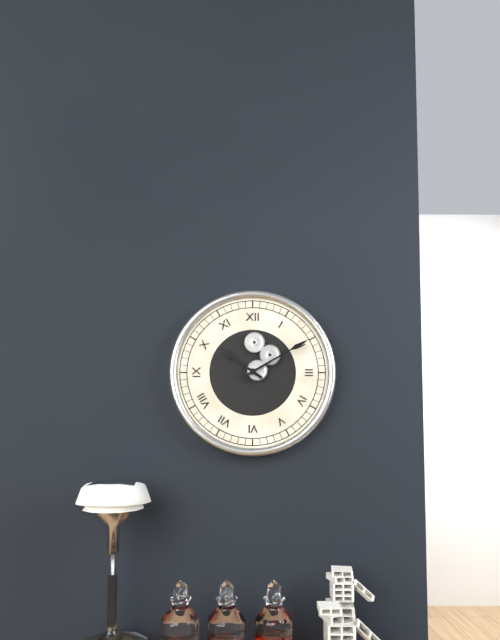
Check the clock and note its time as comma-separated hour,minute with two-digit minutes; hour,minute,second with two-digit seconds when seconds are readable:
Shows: 10,10
